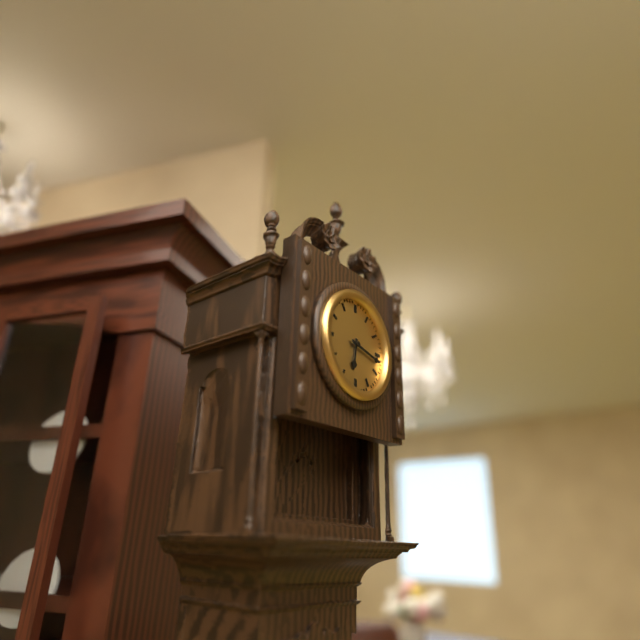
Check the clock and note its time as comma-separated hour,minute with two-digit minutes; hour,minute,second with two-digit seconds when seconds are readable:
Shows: 6,17
